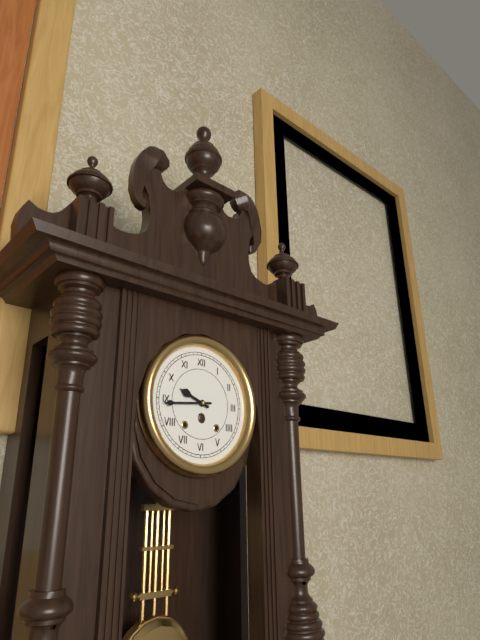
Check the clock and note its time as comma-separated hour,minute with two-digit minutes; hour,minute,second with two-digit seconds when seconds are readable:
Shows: 9,44
